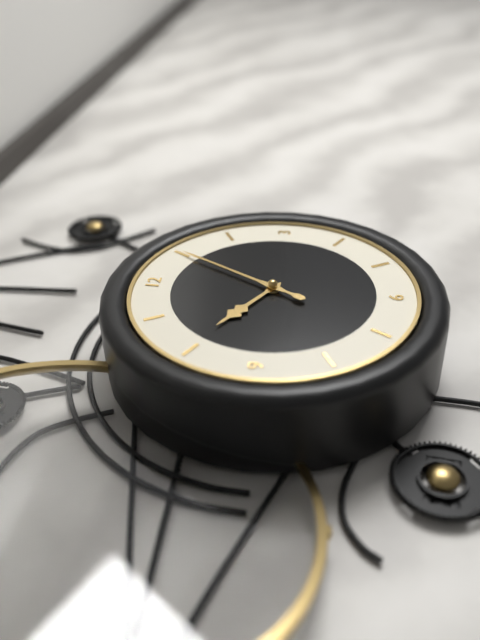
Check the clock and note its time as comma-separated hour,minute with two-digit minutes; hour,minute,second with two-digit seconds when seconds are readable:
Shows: 10,05
